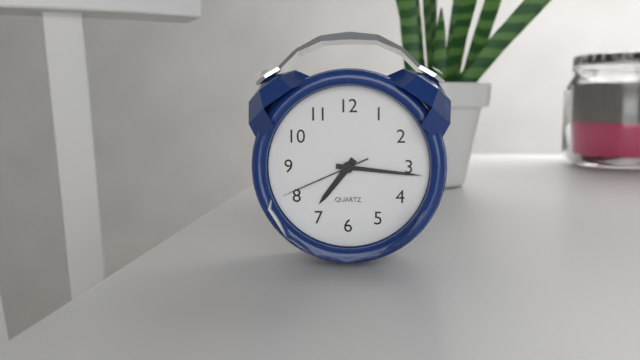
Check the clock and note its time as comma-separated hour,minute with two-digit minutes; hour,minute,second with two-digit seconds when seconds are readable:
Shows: 7,16,41
